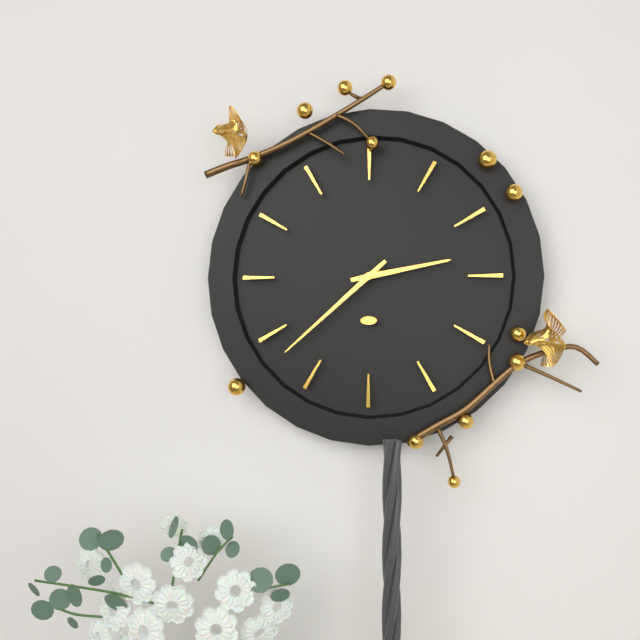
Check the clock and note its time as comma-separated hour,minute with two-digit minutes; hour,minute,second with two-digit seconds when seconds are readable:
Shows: 2,38
